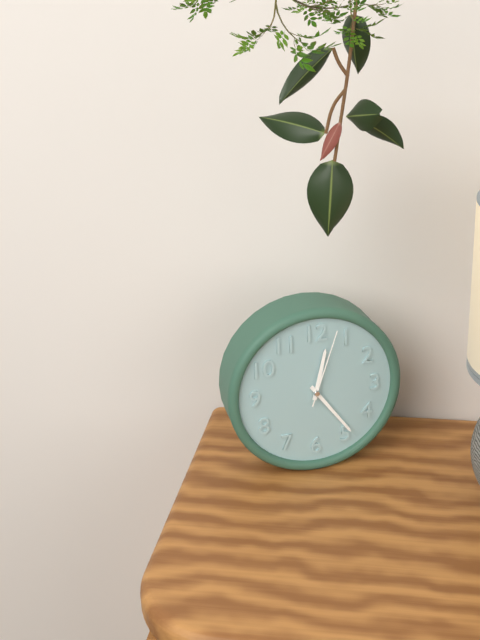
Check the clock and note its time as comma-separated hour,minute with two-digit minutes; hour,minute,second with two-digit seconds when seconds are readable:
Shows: 12,24,03
